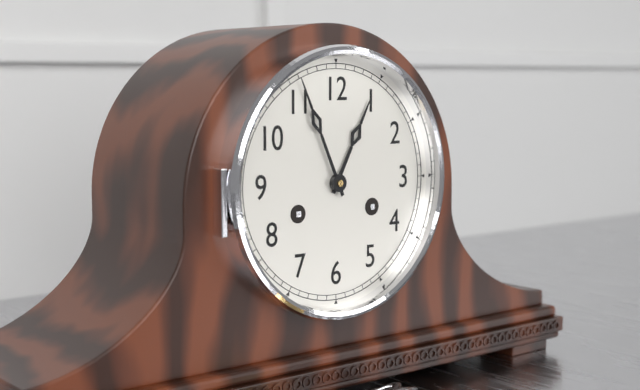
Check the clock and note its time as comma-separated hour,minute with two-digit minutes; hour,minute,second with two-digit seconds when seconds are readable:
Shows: 12,56
